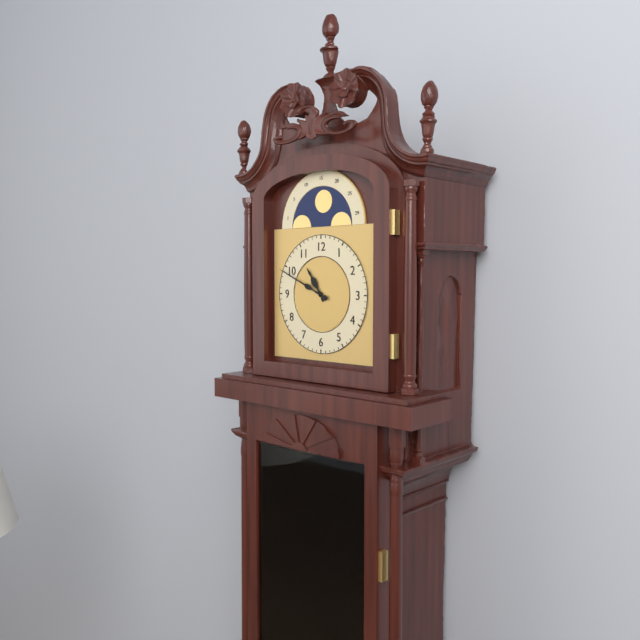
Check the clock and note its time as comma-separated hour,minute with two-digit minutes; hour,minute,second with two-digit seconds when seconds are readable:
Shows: 10,49
